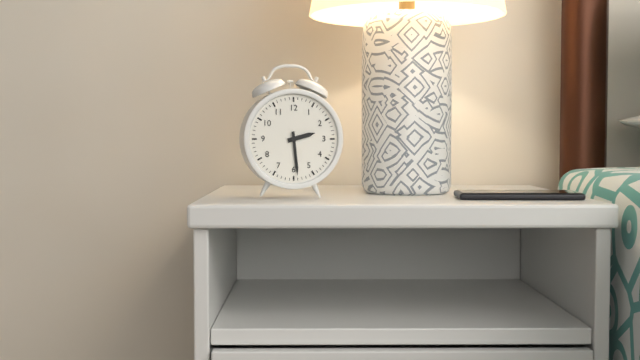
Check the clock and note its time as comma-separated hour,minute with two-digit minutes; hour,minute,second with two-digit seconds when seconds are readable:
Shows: 2,29
